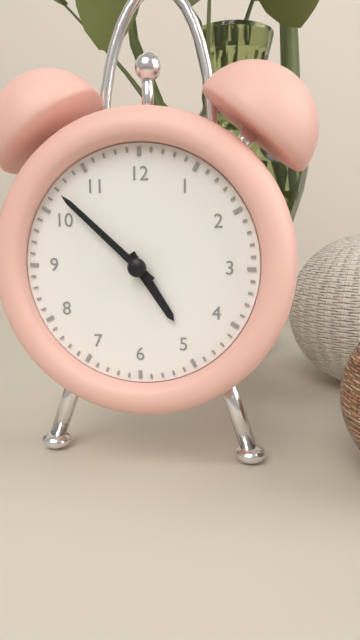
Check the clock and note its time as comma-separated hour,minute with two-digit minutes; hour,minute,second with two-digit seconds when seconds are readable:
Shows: 4,52
